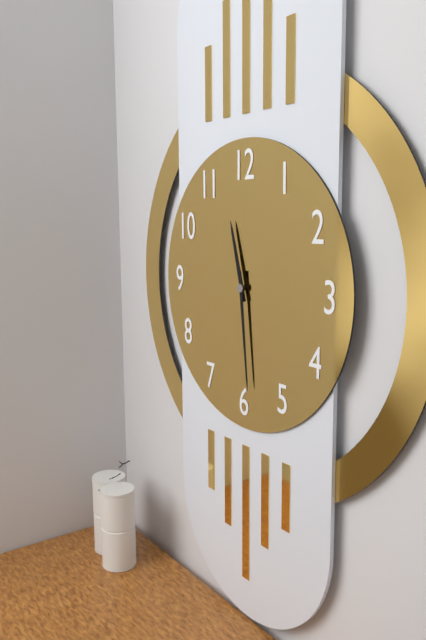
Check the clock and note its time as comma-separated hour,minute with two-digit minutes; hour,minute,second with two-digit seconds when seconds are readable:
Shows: 11,29
